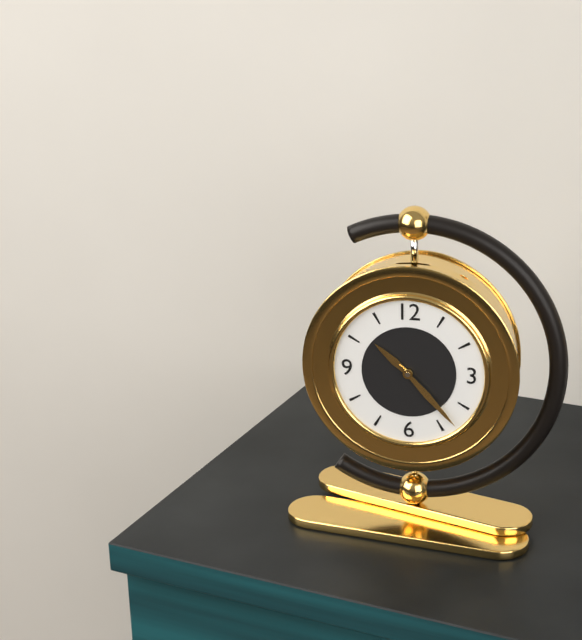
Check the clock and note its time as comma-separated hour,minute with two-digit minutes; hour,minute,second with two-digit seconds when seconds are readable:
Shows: 10,23
